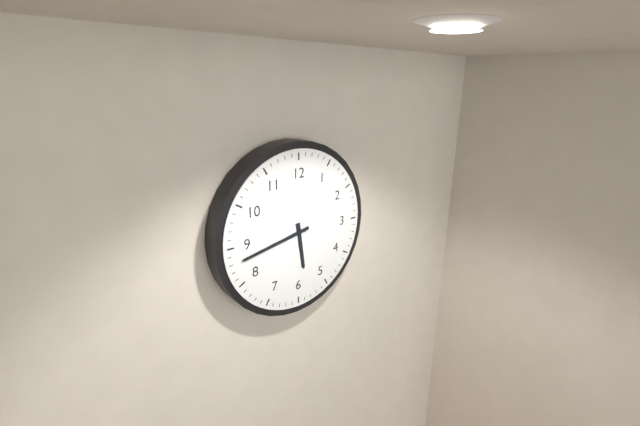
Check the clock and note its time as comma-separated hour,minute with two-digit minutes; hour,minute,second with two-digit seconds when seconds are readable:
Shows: 5,43
